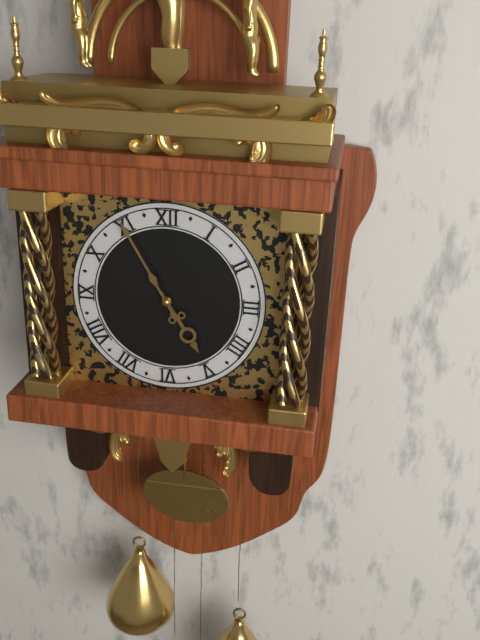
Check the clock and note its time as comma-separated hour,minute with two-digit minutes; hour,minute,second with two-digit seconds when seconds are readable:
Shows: 4,55
